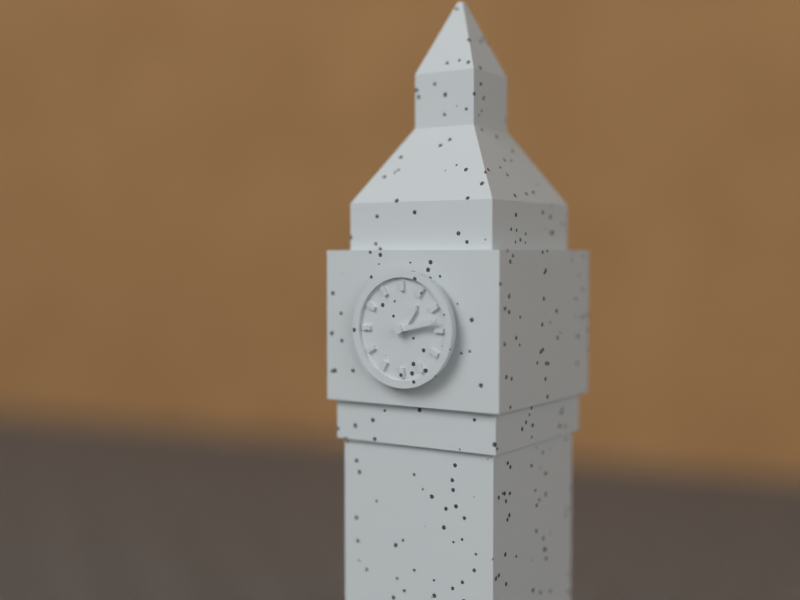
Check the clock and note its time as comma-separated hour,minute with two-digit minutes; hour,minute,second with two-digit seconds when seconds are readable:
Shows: 1,13
